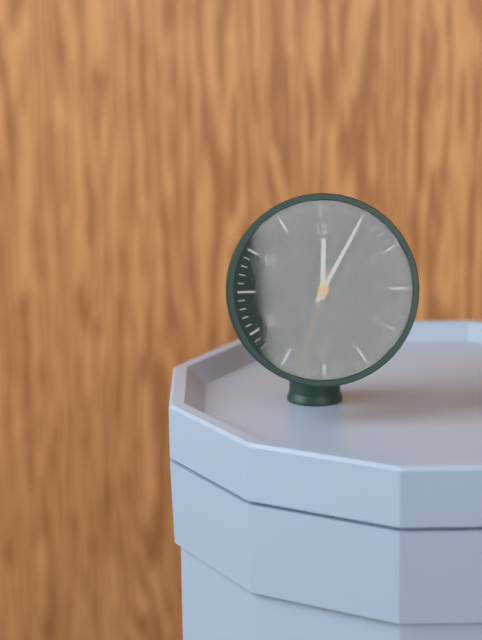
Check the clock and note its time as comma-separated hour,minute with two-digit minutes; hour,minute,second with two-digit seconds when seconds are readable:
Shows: 12,05,33
